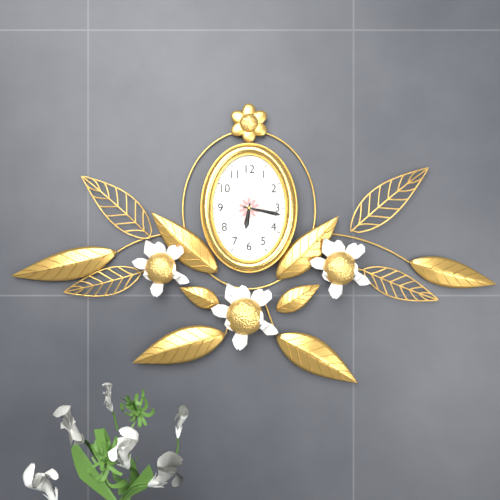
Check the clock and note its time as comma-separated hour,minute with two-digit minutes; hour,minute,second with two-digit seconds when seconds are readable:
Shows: 6,17
